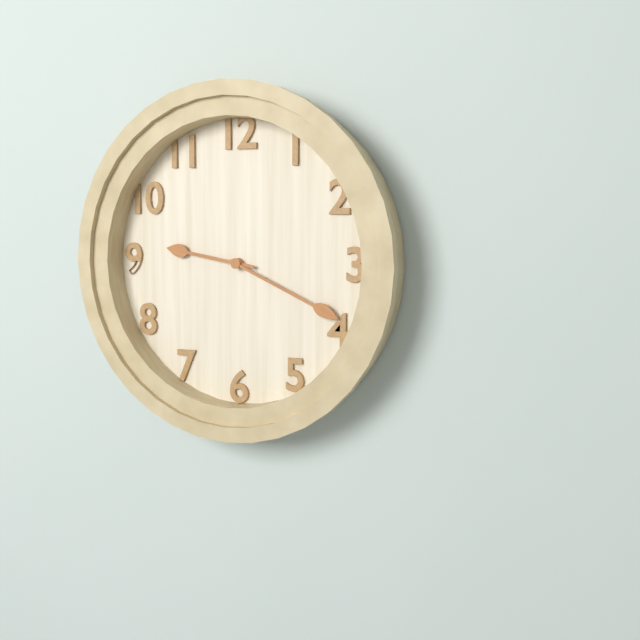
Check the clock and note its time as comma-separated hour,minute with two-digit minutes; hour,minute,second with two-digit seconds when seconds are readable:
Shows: 9,19
